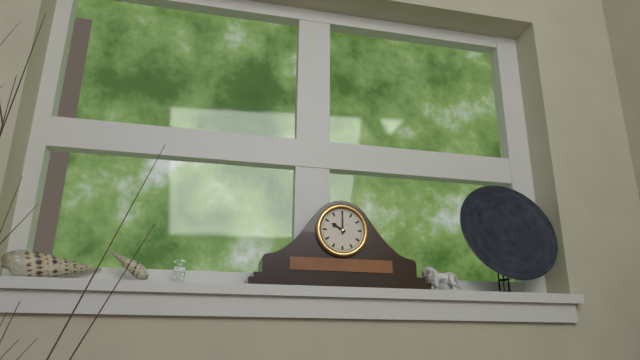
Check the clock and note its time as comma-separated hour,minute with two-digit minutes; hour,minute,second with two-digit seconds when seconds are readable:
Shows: 10,00
